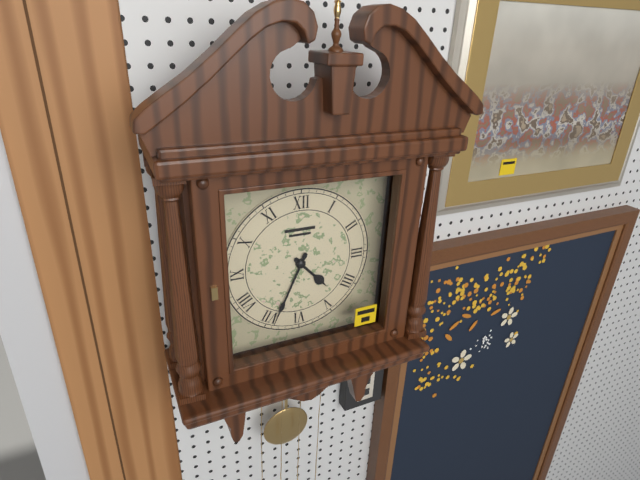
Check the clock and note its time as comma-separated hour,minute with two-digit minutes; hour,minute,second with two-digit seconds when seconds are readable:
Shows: 4,34
